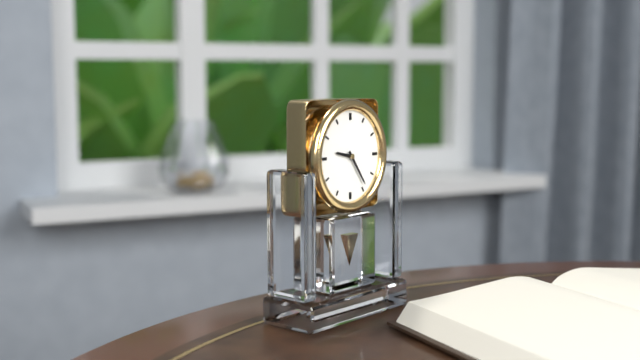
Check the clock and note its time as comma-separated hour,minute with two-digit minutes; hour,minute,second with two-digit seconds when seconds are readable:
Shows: 9,24
